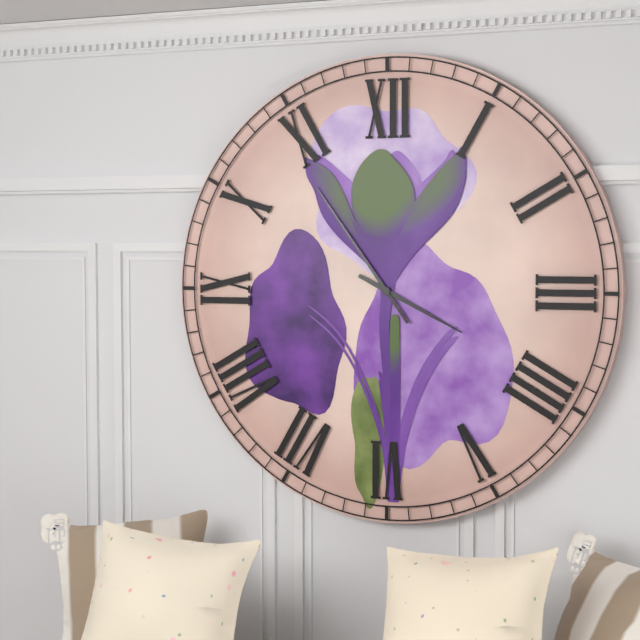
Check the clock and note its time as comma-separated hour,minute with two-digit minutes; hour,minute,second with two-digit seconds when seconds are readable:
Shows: 3,54
